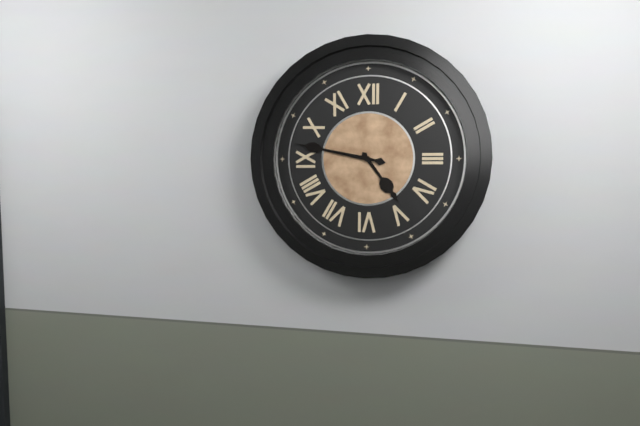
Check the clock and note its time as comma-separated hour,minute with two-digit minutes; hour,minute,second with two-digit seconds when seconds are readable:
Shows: 4,47
